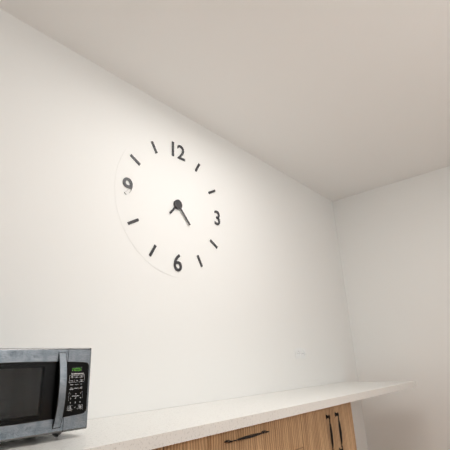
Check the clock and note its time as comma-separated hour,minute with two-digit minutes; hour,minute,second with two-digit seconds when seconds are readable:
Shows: 7,23
